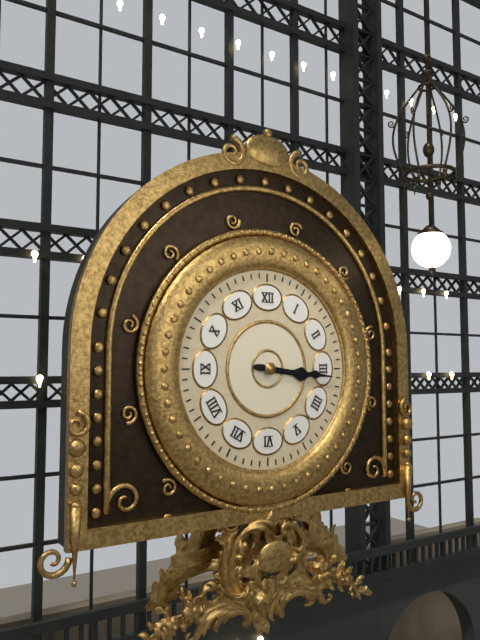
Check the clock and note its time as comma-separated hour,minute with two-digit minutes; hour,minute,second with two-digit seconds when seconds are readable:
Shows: 3,16
